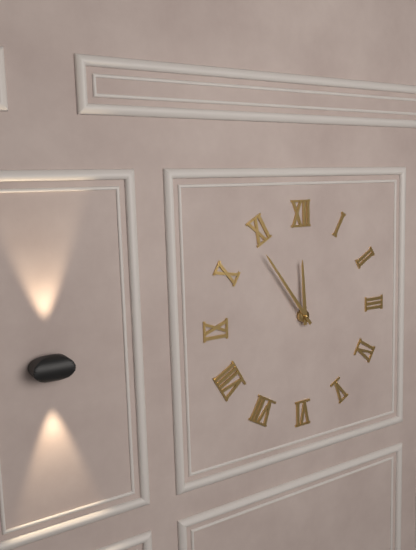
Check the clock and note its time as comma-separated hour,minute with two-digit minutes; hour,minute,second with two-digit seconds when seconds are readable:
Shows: 11,54
